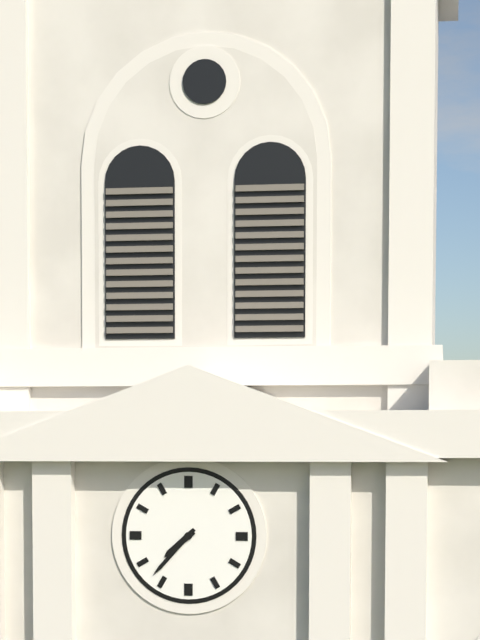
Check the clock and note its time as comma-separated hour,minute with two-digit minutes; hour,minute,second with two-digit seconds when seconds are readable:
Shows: 7,37
